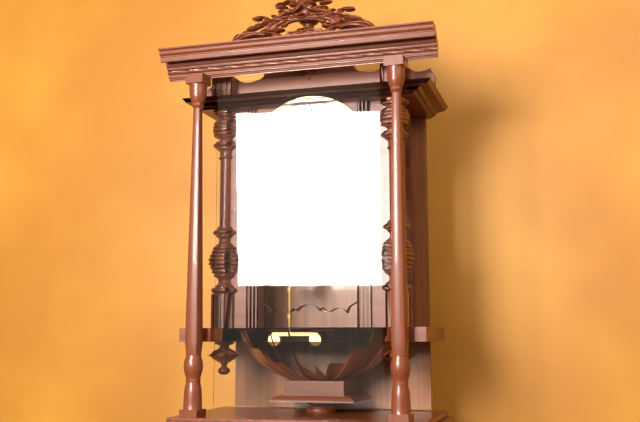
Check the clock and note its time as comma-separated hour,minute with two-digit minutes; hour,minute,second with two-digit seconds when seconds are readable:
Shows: 11,40
